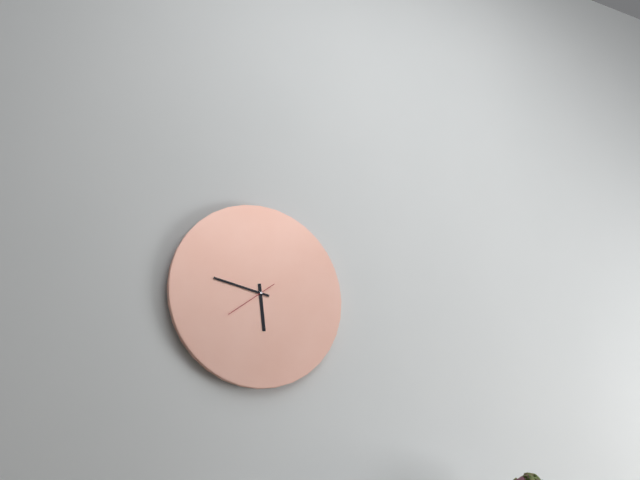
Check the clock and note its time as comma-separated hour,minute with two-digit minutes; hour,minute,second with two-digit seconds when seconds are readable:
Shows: 5,47
